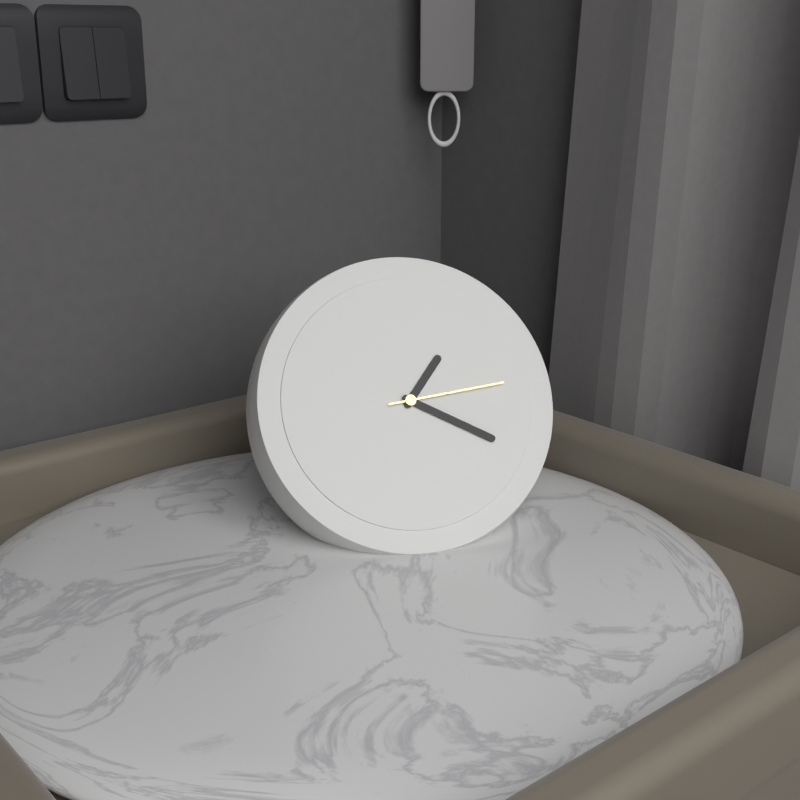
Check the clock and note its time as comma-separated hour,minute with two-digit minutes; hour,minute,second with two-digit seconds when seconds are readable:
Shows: 1,20,14
